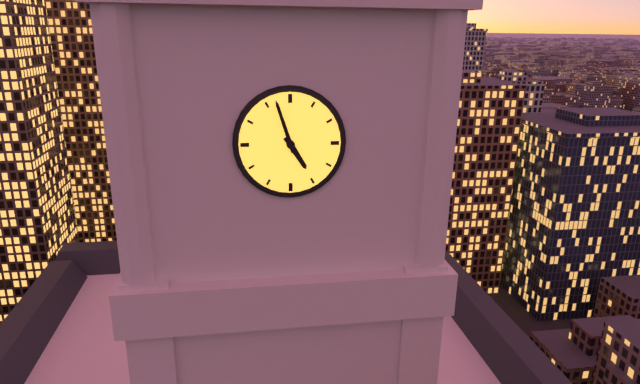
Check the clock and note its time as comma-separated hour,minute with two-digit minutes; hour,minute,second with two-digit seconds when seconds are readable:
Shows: 4,57
